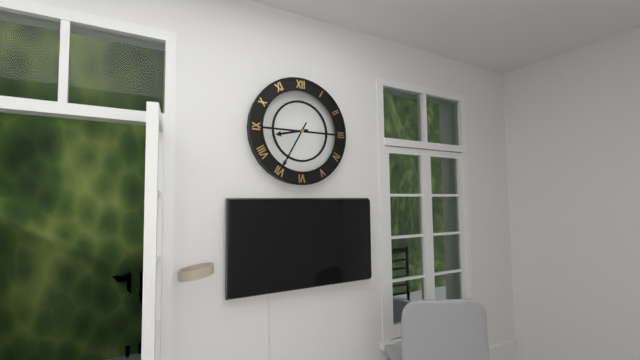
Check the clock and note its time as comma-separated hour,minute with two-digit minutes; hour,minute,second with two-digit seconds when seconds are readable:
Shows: 8,35
